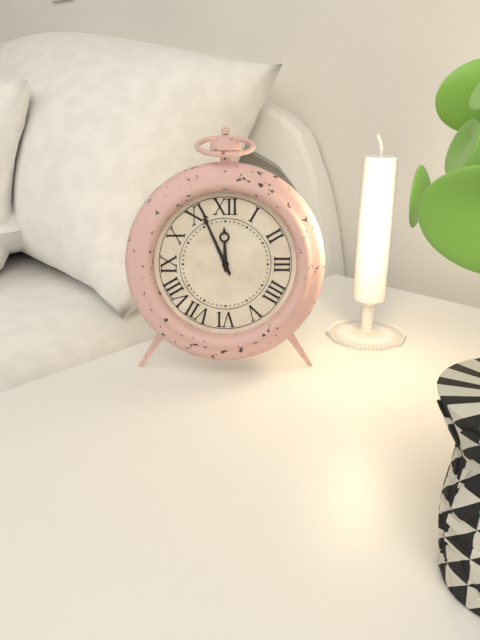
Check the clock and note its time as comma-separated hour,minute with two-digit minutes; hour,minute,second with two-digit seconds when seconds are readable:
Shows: 11,56
